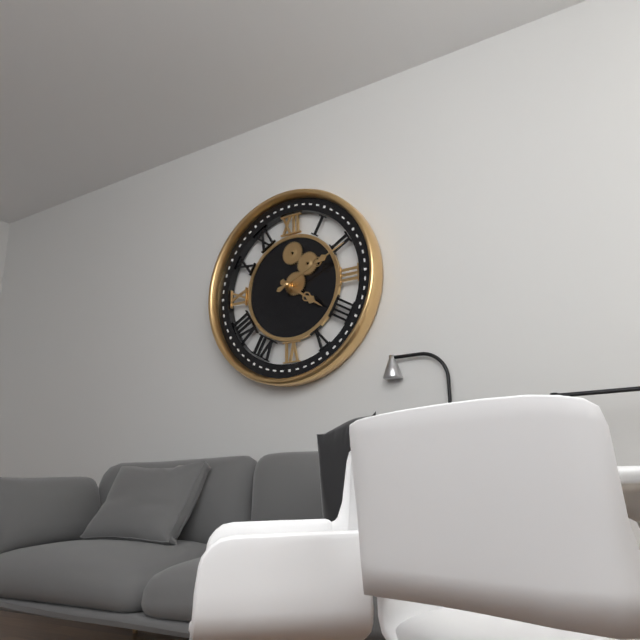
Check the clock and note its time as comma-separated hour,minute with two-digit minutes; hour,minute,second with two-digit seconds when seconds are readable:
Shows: 4,11
